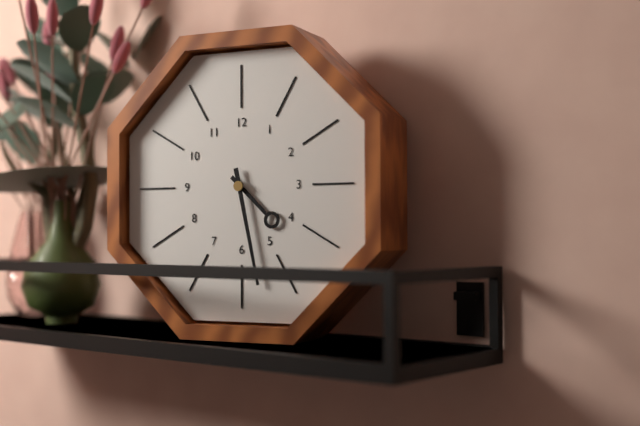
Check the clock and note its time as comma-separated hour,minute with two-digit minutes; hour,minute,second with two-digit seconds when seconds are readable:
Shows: 4,28
